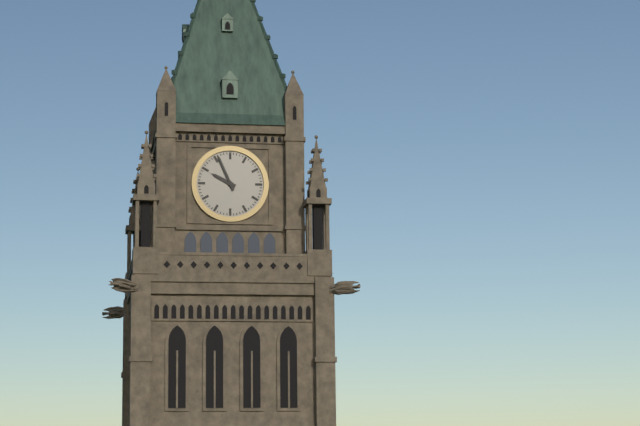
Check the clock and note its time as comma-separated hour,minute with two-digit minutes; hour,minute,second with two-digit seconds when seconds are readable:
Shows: 9,56
